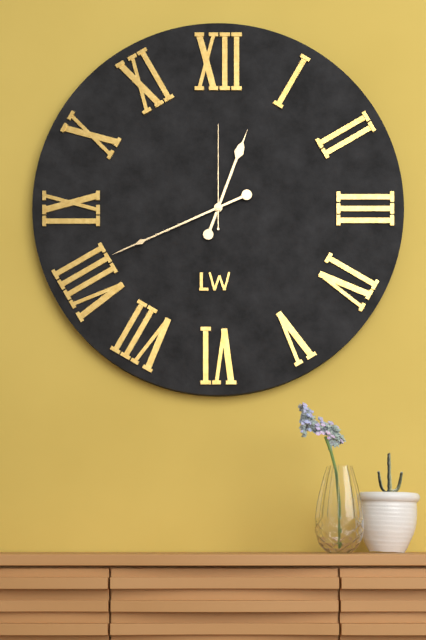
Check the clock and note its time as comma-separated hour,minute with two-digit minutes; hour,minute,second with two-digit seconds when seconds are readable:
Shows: 12,41,00
